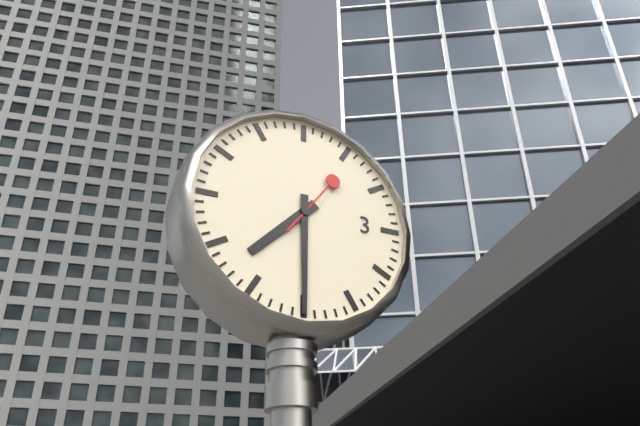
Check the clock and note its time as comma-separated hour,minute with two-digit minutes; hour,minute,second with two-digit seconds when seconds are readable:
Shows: 7,30,06
